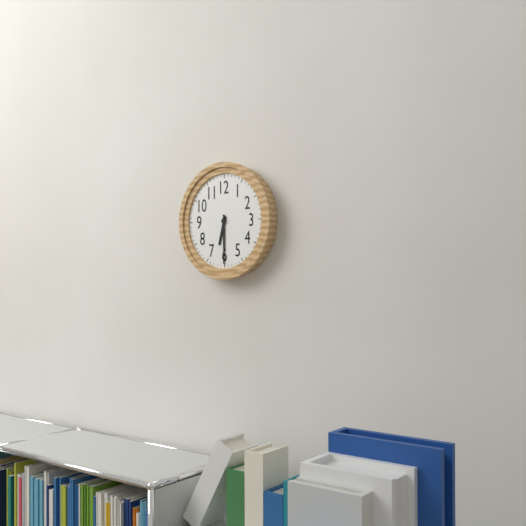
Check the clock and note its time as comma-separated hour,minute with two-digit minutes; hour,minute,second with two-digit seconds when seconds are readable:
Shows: 6,30
